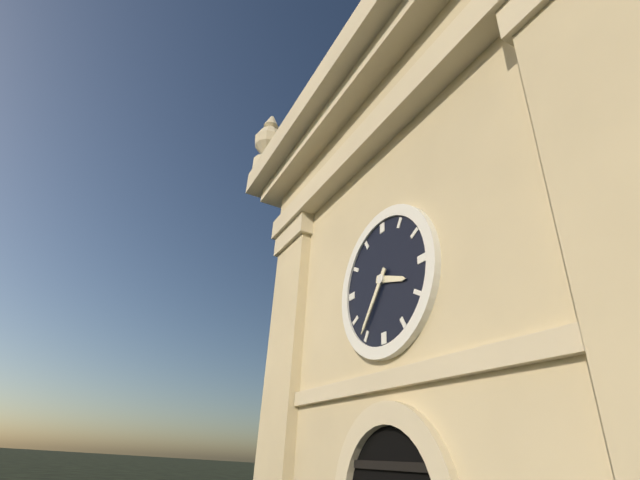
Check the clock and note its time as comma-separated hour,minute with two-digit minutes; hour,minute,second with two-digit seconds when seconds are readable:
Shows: 3,36
